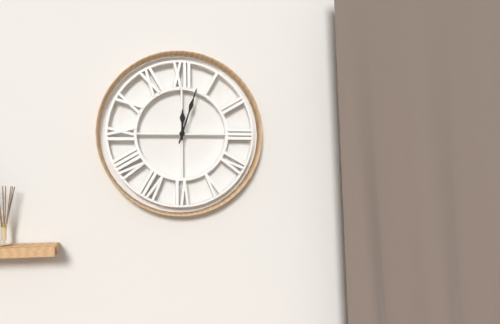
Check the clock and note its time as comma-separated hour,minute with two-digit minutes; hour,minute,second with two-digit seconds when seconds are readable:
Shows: 12,03
